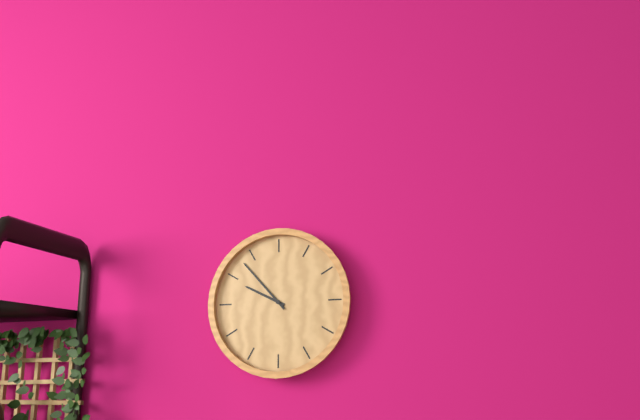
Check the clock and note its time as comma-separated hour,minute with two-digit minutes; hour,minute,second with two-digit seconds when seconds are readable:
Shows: 9,53
